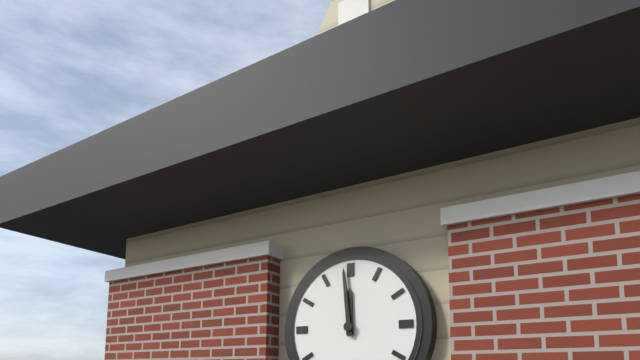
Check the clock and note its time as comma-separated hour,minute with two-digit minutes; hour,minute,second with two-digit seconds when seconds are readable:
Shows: 11,59
